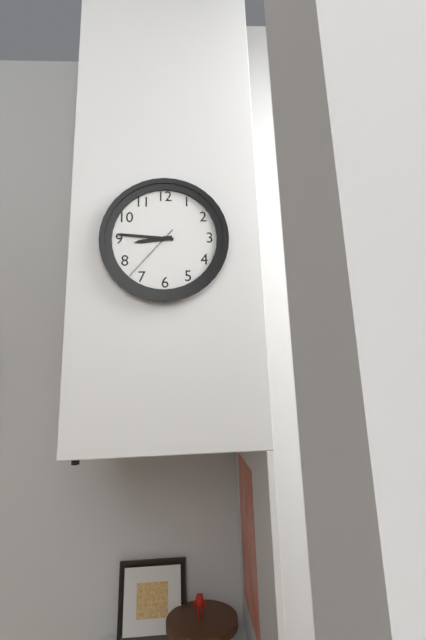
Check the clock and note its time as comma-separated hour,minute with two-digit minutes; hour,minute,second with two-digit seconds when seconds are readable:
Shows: 8,46,37
